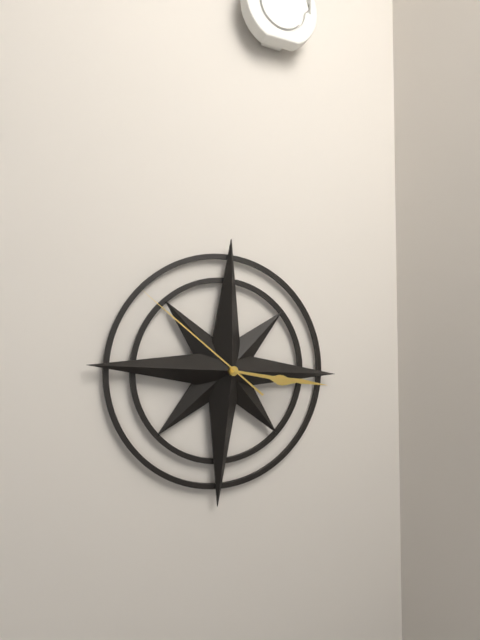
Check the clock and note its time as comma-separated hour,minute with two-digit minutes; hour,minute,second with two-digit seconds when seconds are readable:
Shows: 3,16,51
